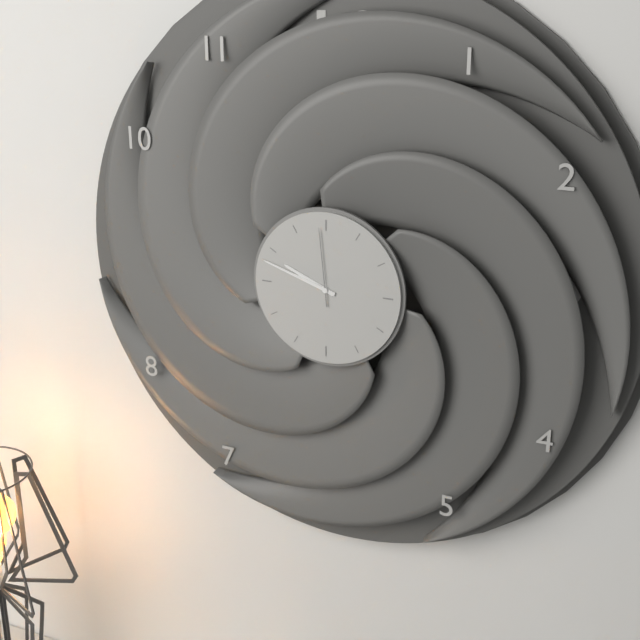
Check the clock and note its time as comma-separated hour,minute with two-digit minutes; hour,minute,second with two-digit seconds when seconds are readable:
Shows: 9,48,59
